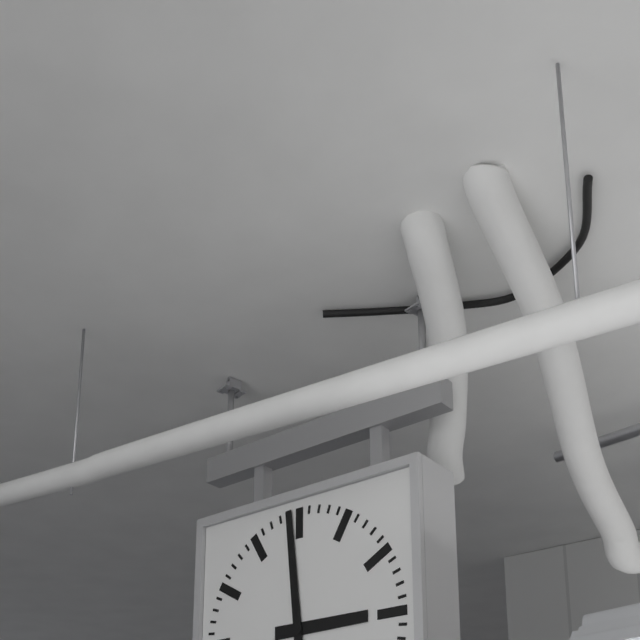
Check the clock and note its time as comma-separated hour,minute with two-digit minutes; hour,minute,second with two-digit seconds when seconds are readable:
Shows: 2,59
